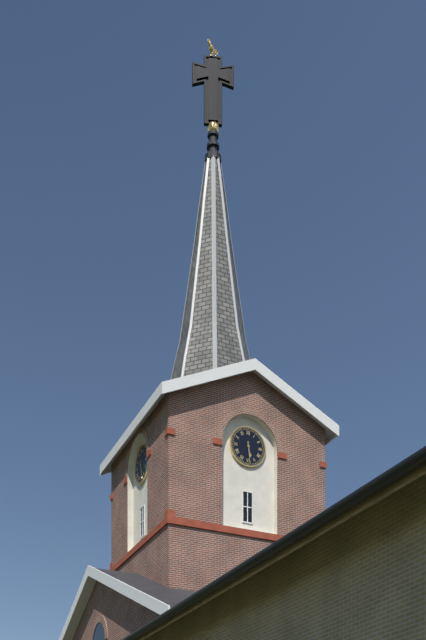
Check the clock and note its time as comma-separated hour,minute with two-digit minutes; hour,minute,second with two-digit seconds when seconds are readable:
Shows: 5,29
